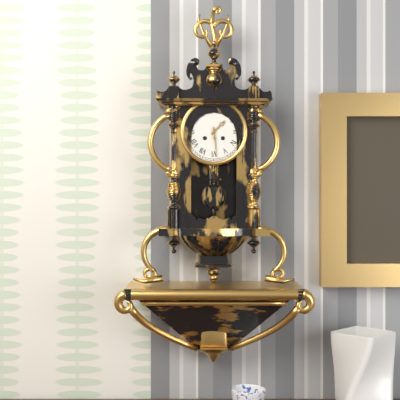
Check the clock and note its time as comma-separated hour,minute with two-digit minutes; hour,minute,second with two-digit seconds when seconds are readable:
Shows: 1,29
